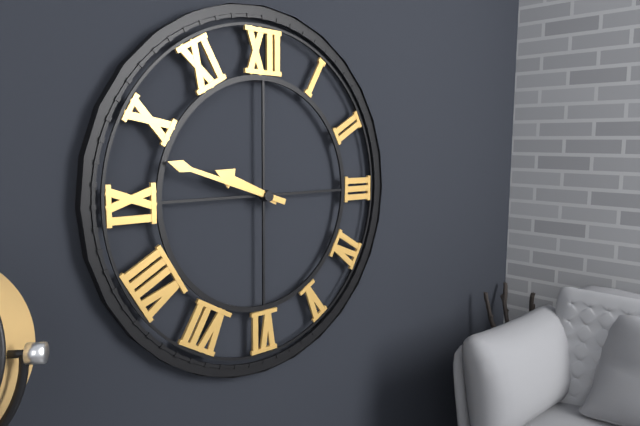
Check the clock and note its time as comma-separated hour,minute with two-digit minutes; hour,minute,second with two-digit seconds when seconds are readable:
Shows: 9,48
